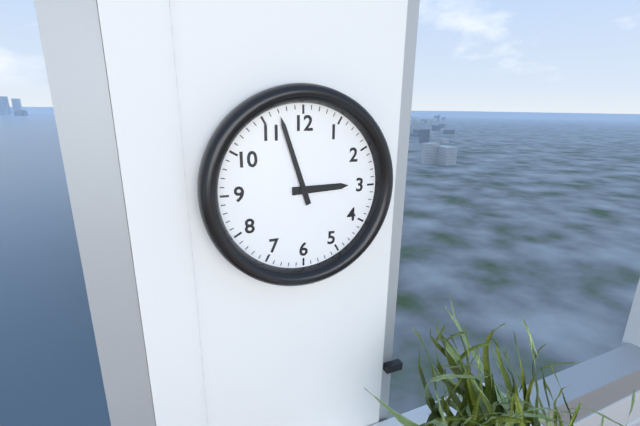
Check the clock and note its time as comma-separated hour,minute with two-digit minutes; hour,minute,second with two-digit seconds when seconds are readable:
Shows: 2,57
